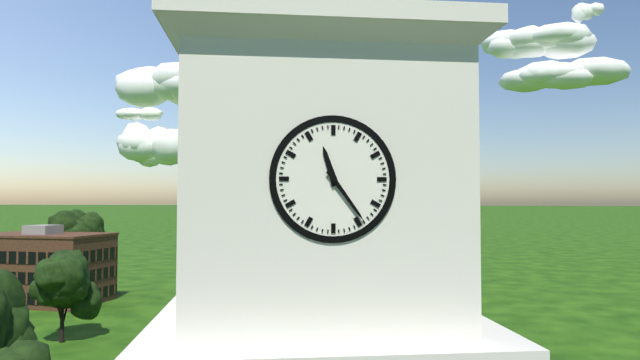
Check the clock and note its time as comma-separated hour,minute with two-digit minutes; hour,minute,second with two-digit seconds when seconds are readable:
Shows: 11,24
